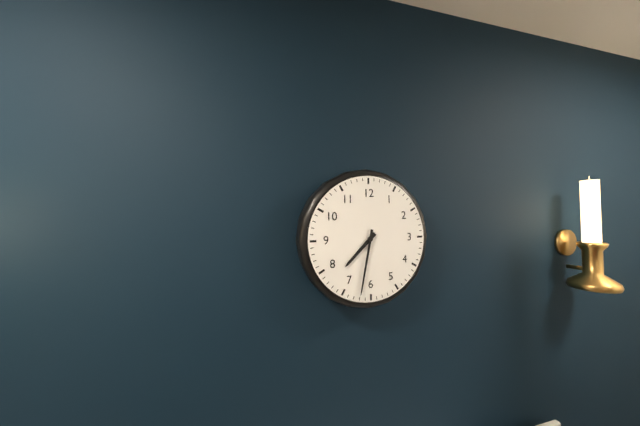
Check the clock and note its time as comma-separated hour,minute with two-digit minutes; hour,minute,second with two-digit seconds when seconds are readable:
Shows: 7,32
